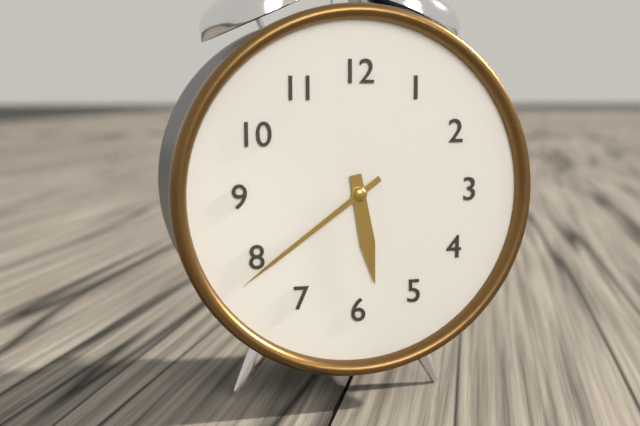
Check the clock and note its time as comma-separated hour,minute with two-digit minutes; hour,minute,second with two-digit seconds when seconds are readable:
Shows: 5,39
